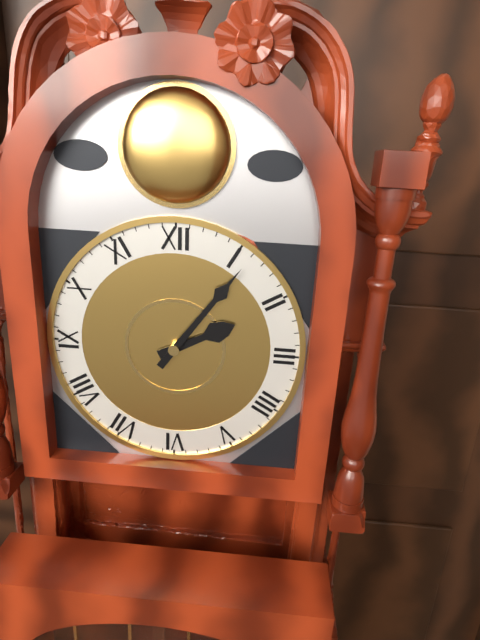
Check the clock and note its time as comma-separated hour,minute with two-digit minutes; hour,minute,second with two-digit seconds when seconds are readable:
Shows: 2,06
